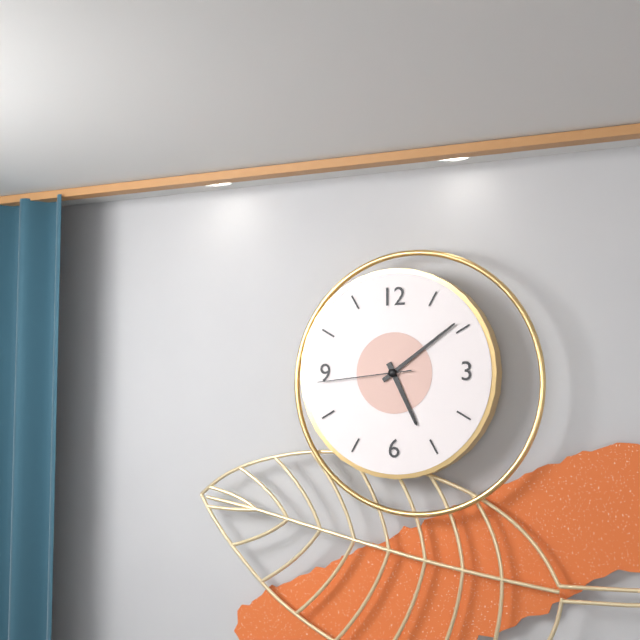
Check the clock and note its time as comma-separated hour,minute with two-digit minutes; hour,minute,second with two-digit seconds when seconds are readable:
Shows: 5,09,44
